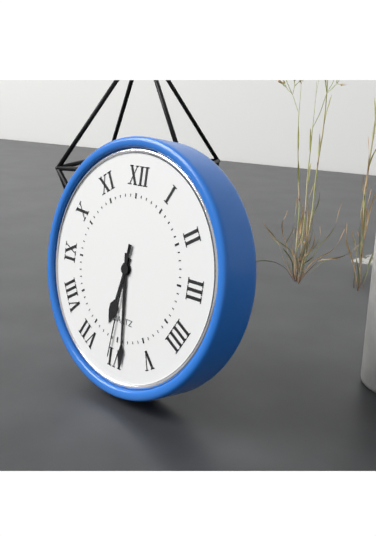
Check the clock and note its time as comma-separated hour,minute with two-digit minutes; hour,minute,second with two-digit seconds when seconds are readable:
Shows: 6,29,31
